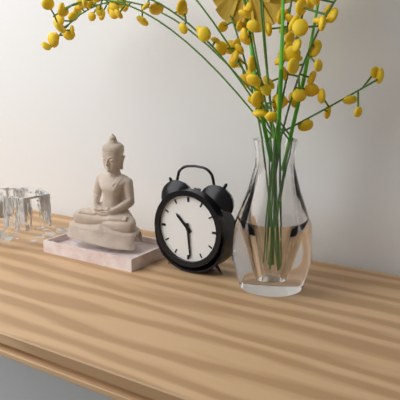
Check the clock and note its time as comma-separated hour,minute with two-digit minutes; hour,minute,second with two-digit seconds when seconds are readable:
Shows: 10,29
